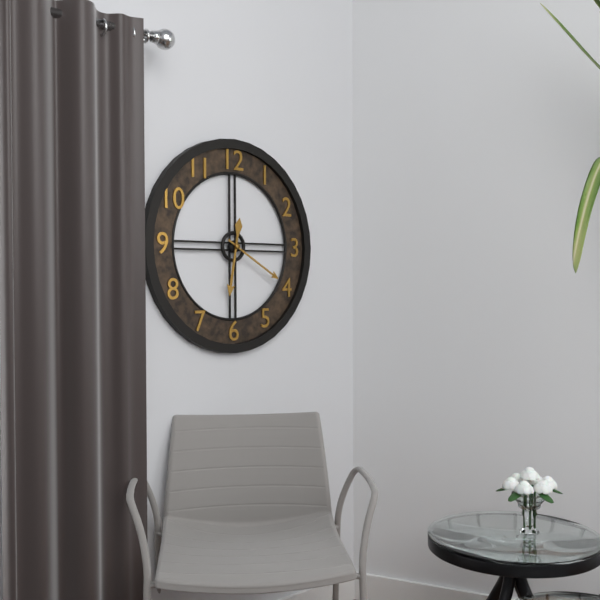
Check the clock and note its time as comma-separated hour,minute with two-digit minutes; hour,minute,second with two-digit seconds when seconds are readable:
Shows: 6,20
